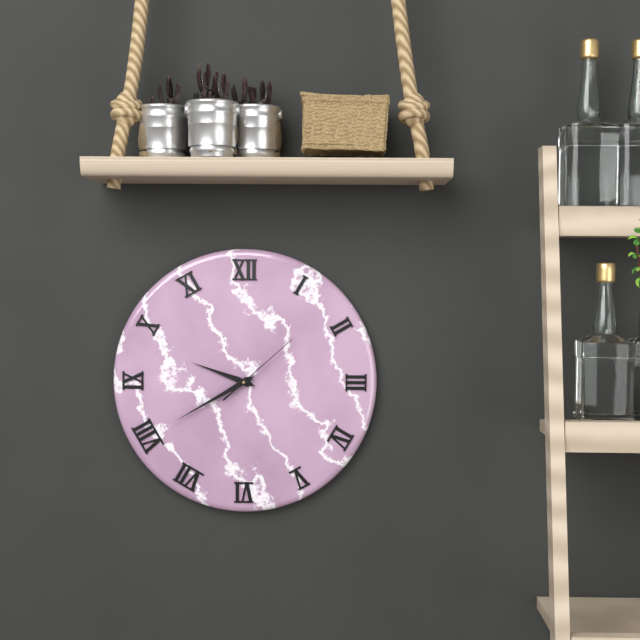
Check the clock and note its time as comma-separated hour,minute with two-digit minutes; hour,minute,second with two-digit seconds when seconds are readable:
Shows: 9,40,08
